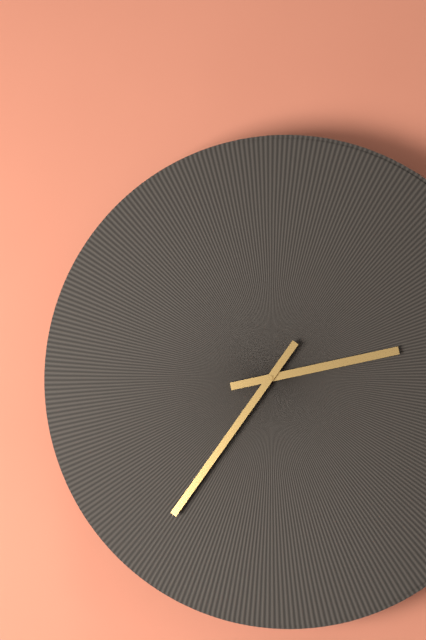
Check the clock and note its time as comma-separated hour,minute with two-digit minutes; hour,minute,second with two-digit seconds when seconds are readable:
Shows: 2,36
